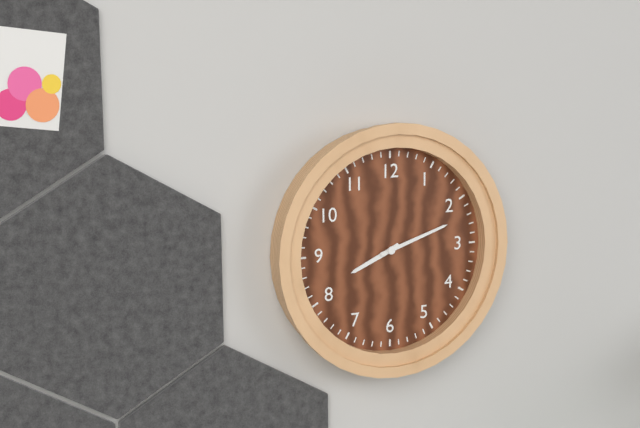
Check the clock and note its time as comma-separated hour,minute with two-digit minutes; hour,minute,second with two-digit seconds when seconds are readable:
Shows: 8,12
